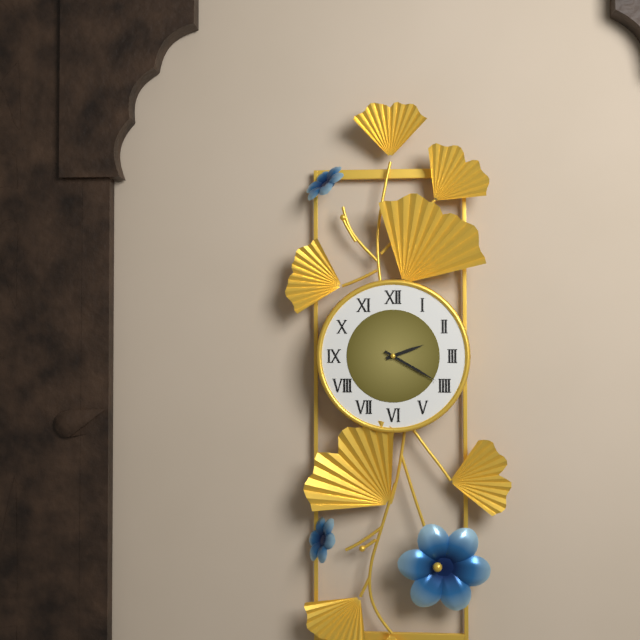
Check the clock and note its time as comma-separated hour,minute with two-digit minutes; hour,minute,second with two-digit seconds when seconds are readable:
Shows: 2,20
